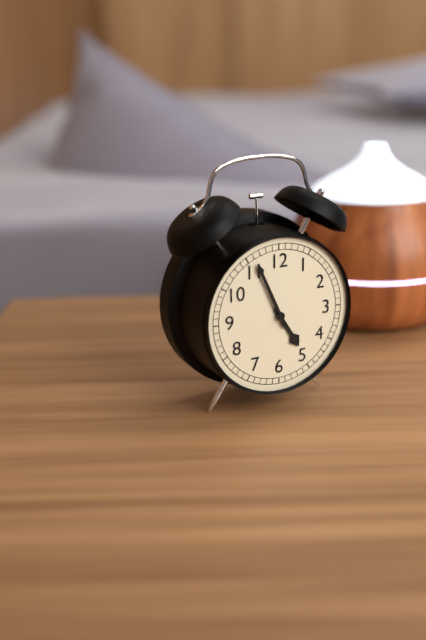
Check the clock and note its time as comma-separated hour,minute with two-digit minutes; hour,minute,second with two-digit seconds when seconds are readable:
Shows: 4,56
